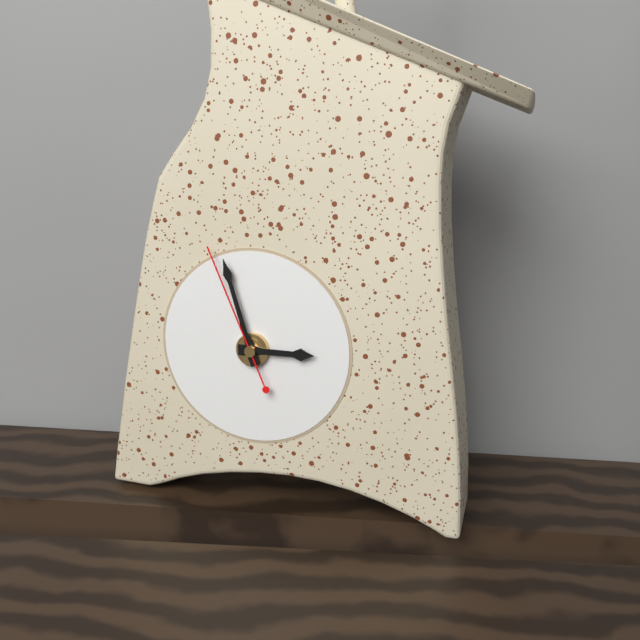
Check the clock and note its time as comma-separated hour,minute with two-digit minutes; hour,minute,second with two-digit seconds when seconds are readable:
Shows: 2,57,56
